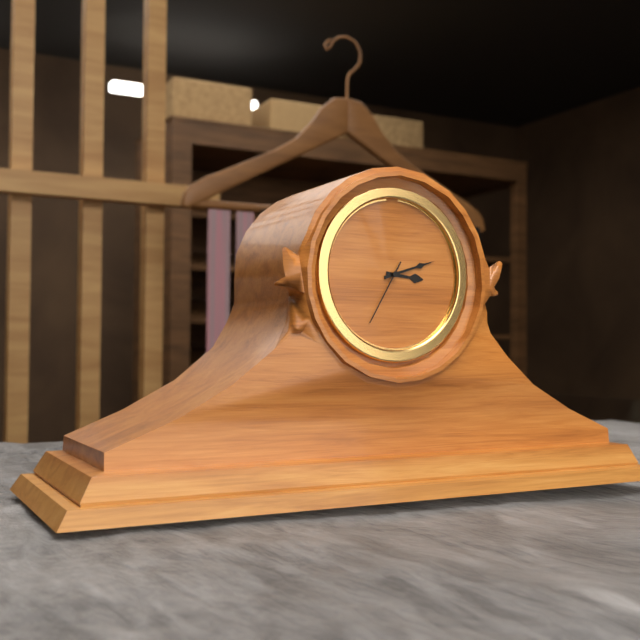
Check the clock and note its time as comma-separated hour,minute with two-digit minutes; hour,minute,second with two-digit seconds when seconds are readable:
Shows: 3,12,35
